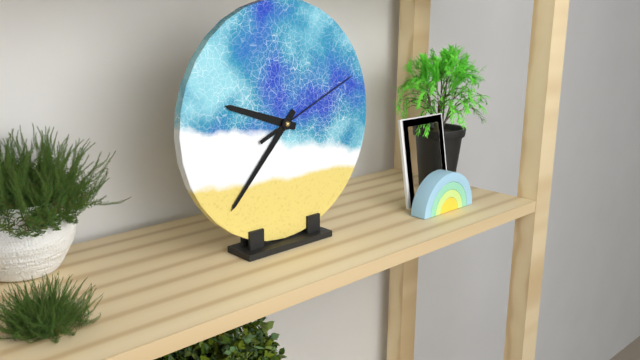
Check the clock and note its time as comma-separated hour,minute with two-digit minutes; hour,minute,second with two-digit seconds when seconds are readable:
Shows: 9,37,11
